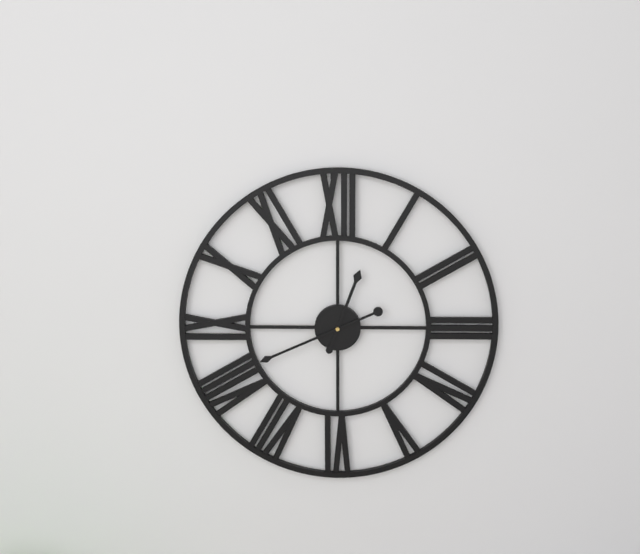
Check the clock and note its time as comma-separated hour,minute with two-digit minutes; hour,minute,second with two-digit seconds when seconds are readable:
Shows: 12,41
